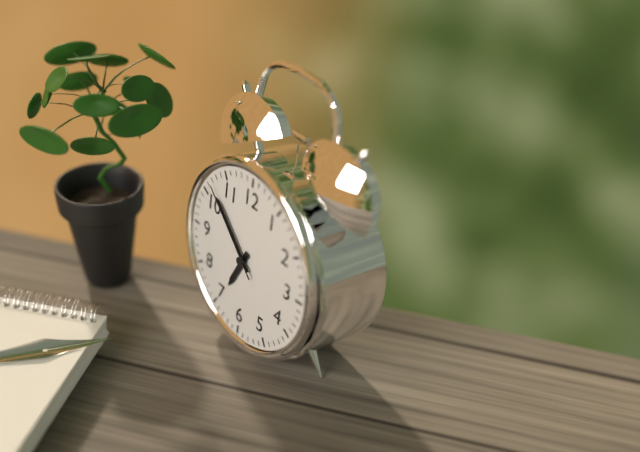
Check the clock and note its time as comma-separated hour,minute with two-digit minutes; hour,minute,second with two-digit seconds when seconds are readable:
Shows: 6,52,52
